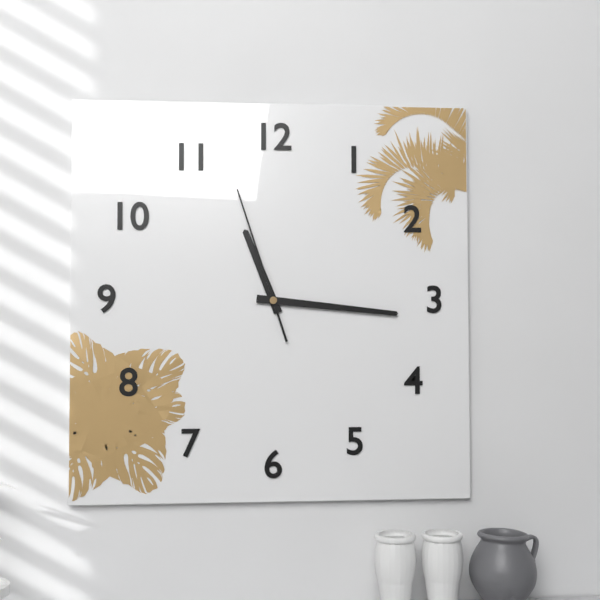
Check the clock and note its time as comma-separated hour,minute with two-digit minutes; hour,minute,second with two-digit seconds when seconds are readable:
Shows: 11,16,57
